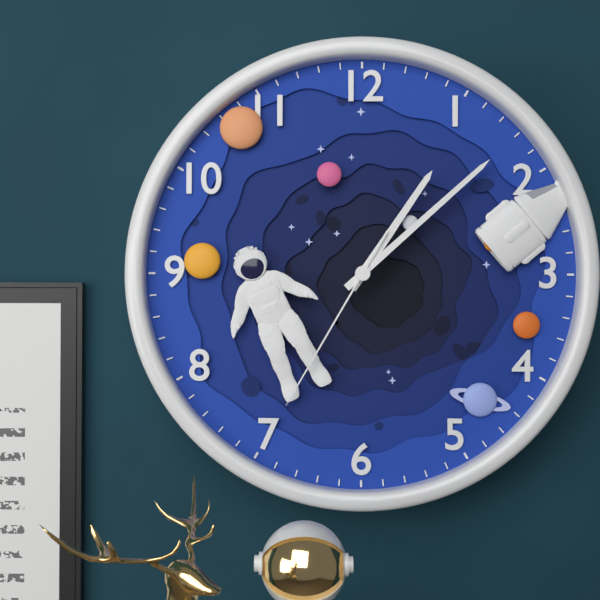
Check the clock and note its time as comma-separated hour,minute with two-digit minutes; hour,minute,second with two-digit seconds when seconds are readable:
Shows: 1,08,35
